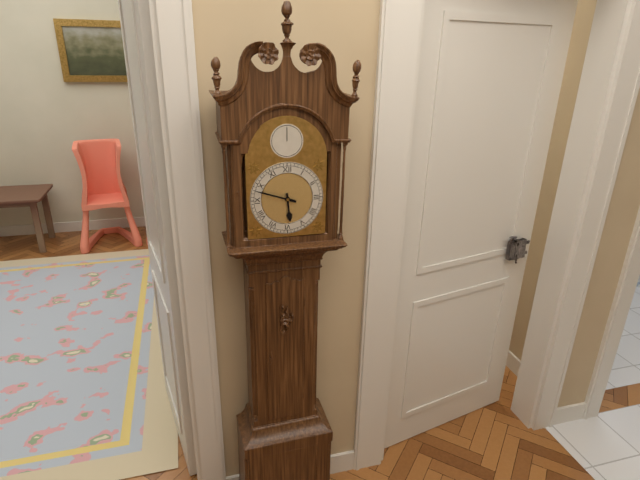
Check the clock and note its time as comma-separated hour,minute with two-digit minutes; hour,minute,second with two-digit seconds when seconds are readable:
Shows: 5,48
